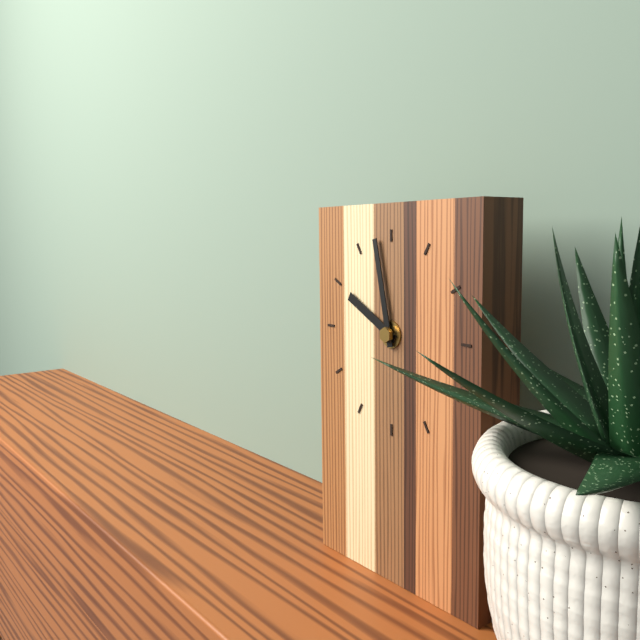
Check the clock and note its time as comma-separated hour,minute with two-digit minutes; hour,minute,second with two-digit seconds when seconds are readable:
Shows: 9,58
